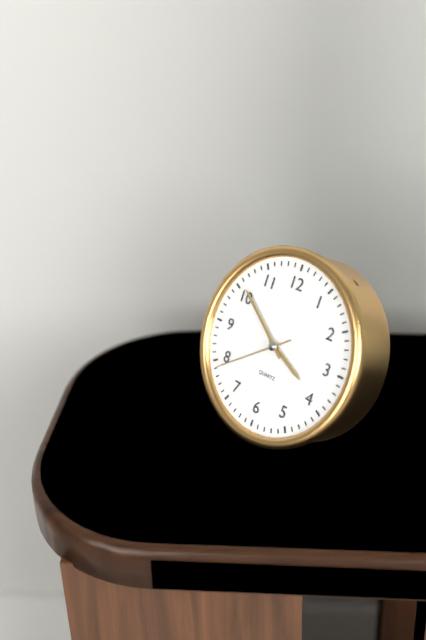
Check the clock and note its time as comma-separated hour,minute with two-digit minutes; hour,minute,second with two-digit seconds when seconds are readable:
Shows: 3,51,39
